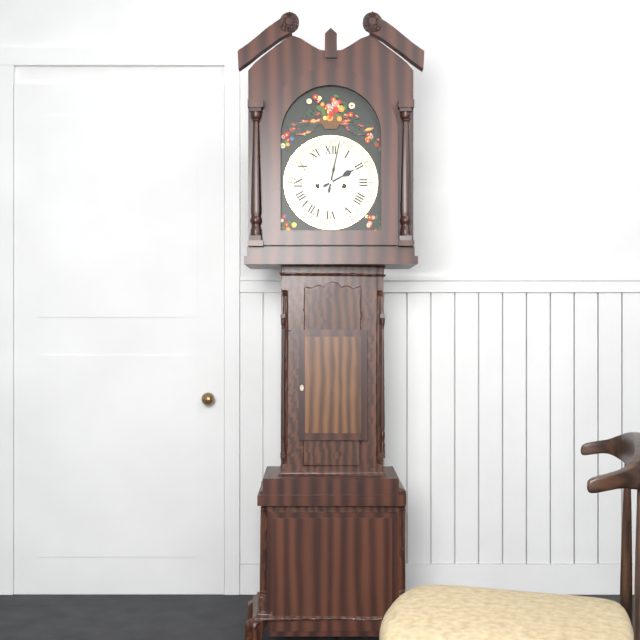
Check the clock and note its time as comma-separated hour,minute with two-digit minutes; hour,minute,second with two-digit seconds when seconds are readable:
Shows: 2,02
